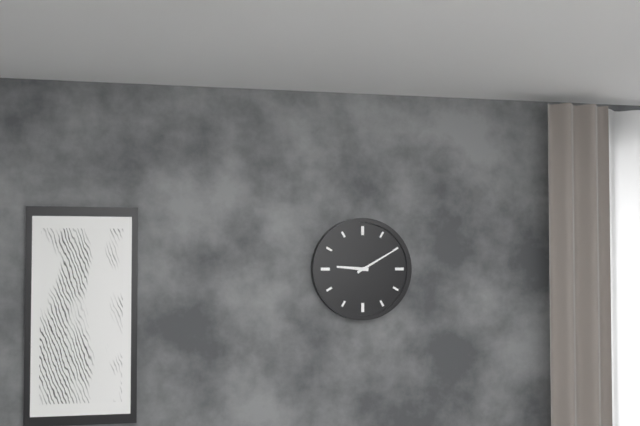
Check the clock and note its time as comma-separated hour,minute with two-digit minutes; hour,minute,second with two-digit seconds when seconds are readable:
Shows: 9,10
